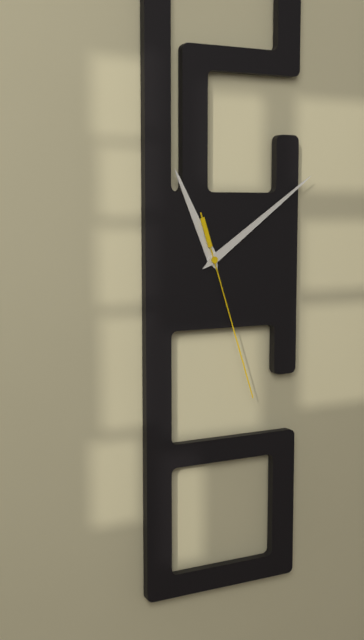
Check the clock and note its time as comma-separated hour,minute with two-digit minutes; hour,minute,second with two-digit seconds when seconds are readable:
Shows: 11,09,27
